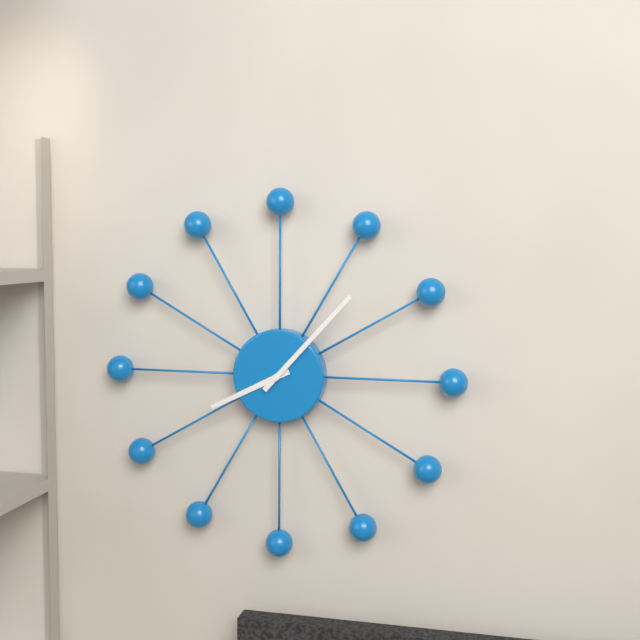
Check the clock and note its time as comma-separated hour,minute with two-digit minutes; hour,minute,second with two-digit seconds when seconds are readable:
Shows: 8,07
